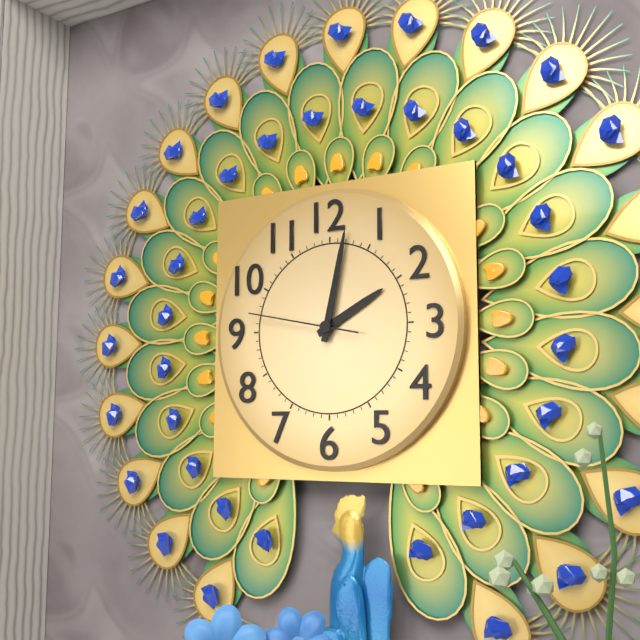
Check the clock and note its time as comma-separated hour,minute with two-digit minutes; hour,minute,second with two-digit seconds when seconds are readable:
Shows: 2,02,47
